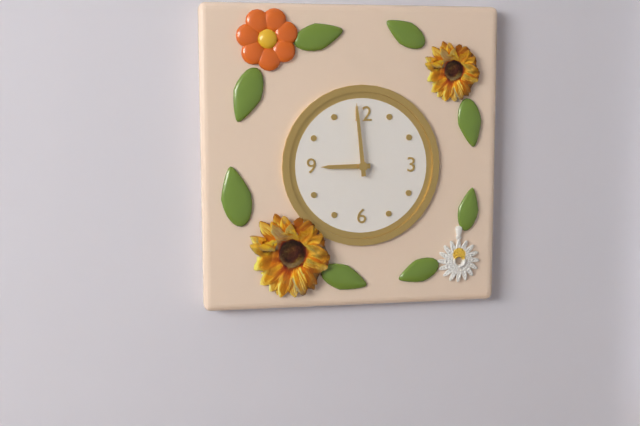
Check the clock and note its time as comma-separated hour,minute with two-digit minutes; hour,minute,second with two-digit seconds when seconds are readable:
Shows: 8,59
